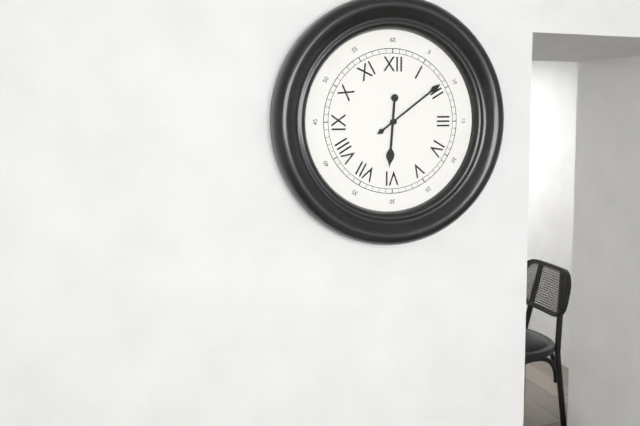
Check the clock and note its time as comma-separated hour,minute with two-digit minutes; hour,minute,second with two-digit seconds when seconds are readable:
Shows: 6,09
